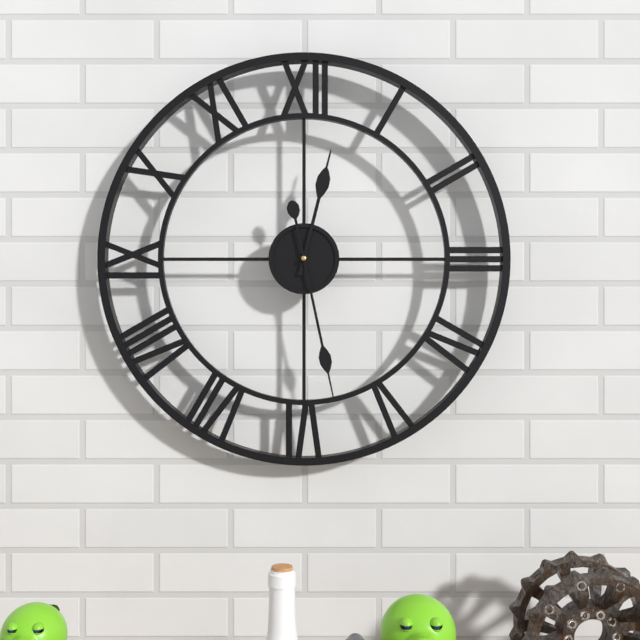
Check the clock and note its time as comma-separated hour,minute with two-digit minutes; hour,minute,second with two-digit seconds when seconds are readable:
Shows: 12,28
